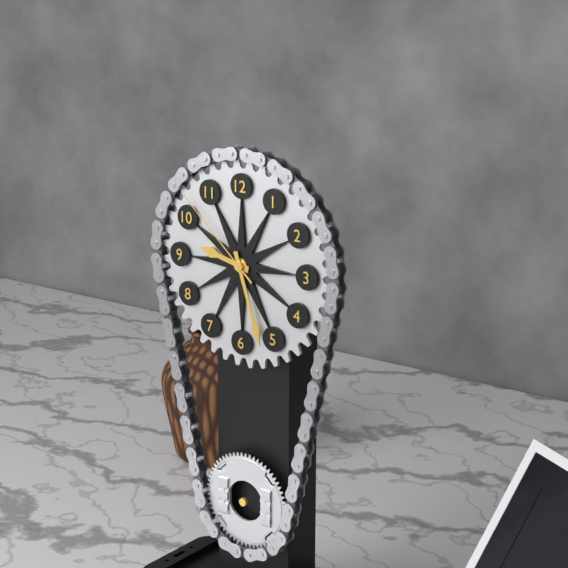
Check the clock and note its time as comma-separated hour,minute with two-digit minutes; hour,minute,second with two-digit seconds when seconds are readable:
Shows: 9,27,52
